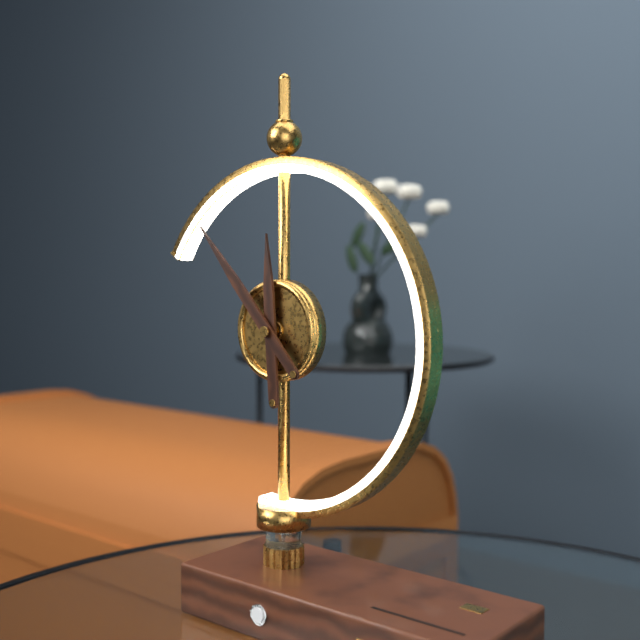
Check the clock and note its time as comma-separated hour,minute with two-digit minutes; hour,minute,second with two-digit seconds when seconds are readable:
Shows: 11,53
